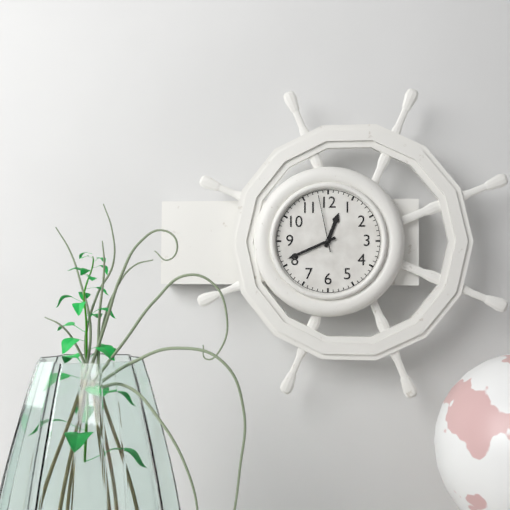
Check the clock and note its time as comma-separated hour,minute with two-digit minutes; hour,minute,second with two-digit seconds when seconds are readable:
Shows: 12,41,58
